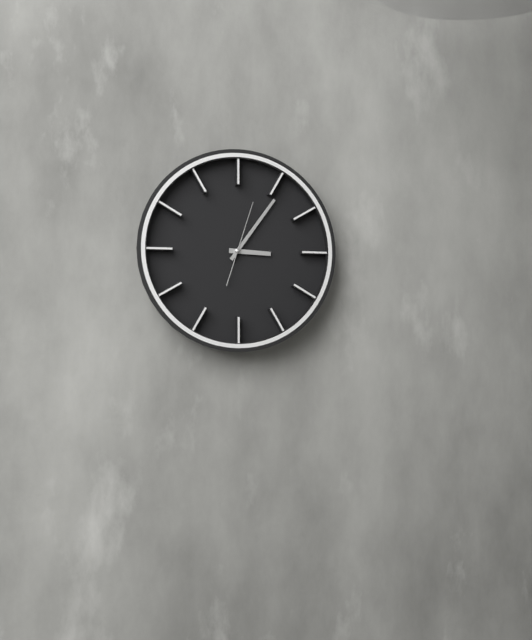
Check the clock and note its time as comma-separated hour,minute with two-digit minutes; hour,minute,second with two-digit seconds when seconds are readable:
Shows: 3,06,03
